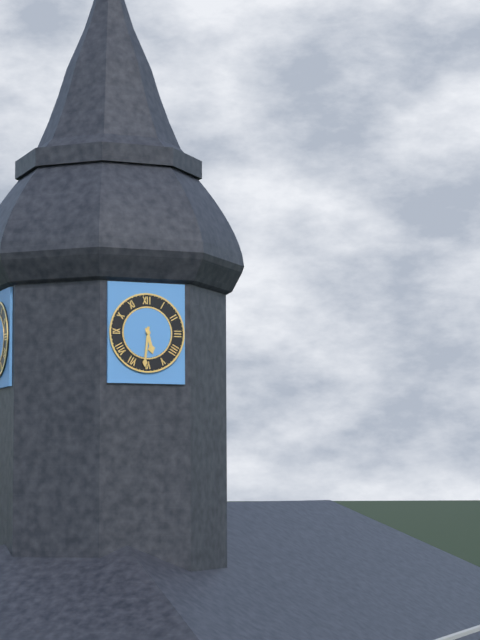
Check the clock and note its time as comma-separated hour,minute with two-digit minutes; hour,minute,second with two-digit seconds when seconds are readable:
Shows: 5,31
